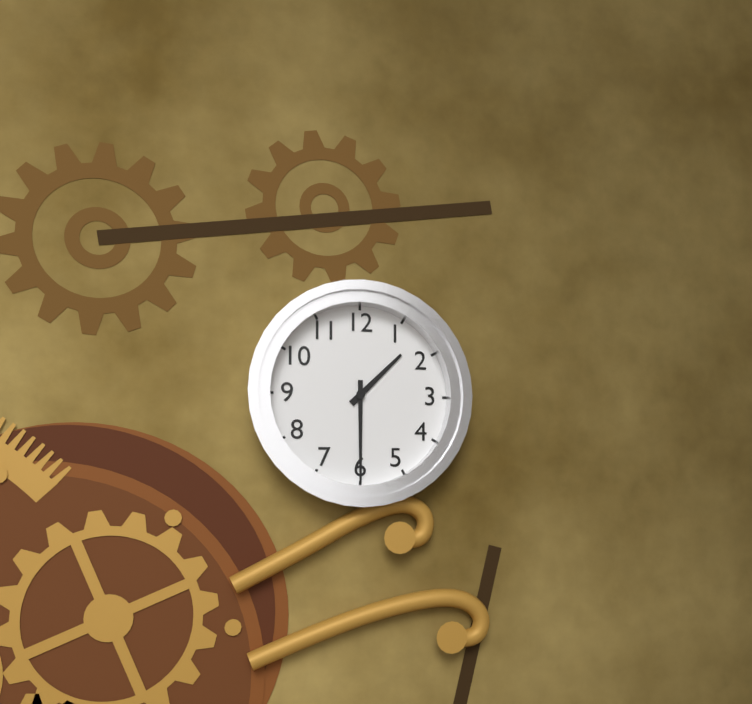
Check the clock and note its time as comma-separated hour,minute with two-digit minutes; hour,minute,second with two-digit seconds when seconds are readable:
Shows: 1,30
